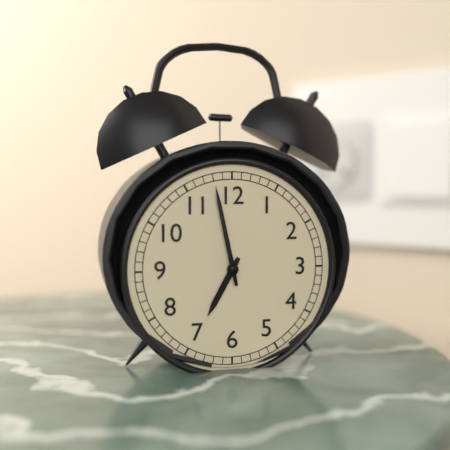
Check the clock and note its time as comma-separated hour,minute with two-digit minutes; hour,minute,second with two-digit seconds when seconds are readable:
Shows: 6,58
